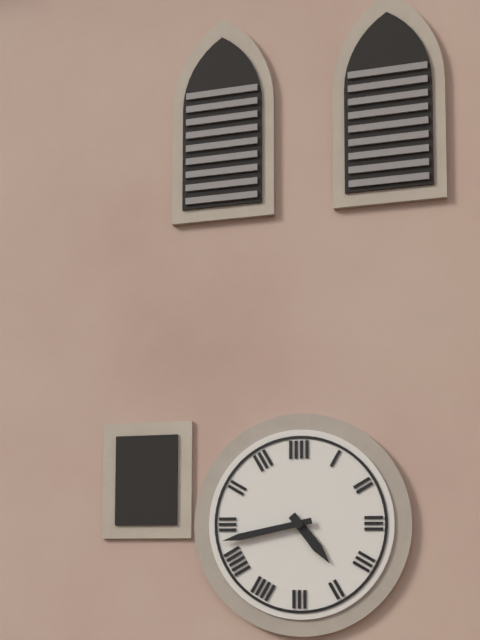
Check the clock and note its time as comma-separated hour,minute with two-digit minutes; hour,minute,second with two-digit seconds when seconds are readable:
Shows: 4,43
